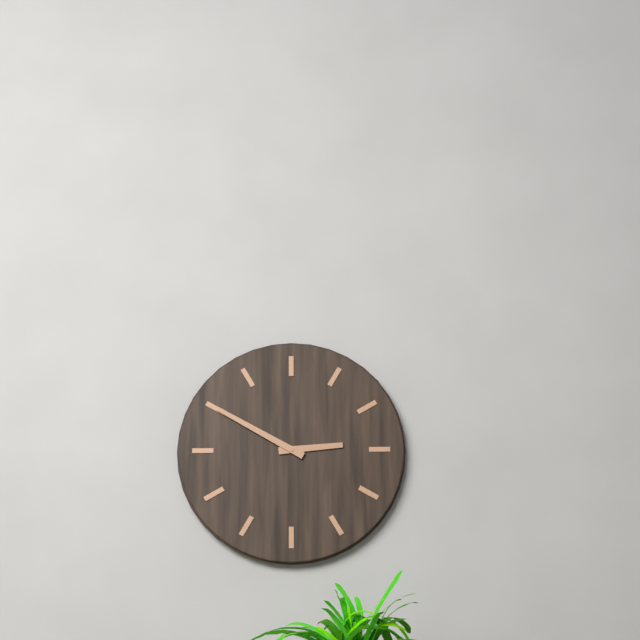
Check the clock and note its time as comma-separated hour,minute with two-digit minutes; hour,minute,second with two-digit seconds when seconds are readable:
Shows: 2,50
